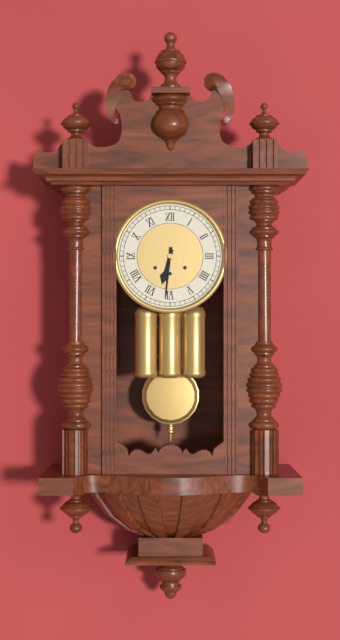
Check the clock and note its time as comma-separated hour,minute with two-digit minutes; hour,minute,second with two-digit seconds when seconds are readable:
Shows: 6,31
